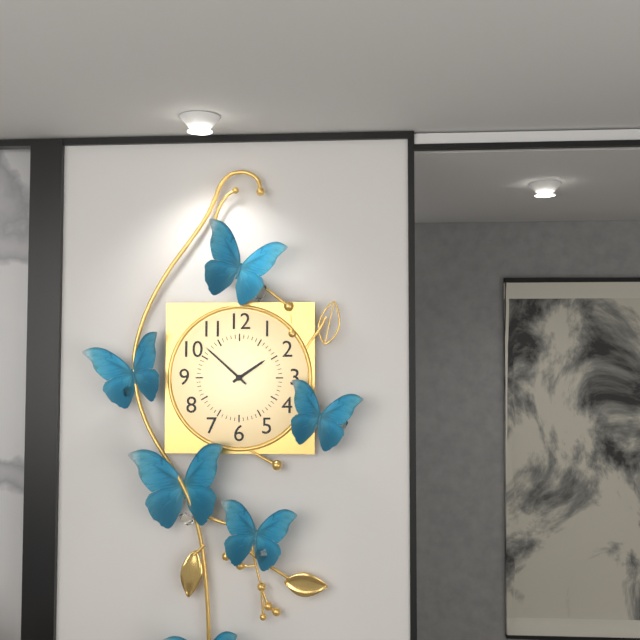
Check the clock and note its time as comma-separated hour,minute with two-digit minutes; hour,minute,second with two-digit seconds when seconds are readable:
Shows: 1,52
